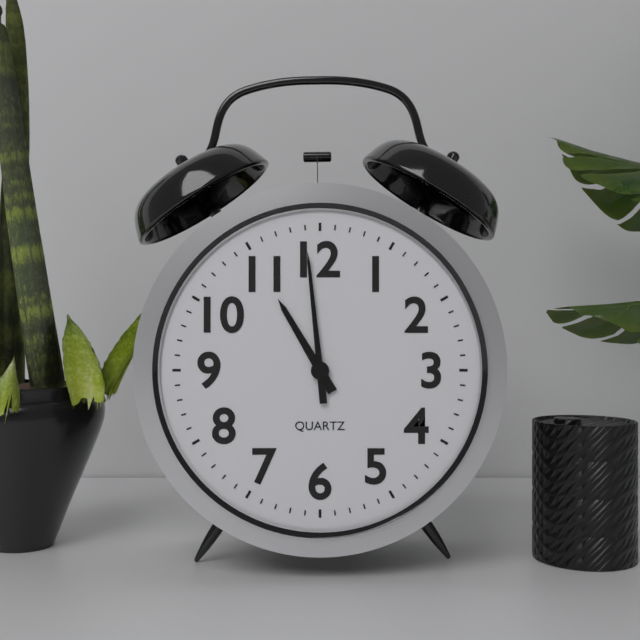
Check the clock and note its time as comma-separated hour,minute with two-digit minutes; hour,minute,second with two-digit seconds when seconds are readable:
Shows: 10,59
